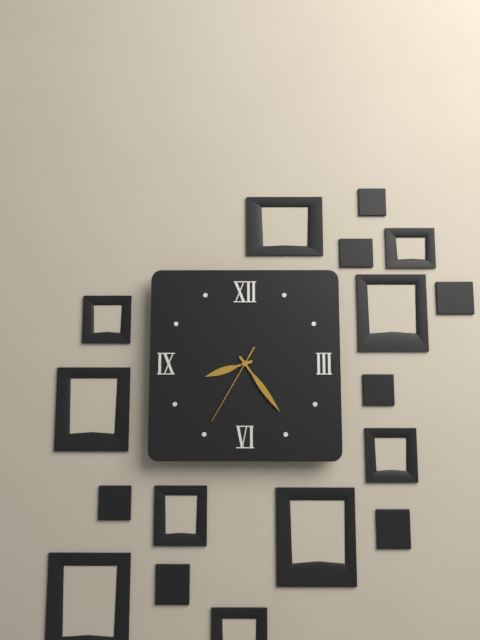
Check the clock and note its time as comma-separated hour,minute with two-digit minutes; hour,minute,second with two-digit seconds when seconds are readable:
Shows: 8,24,35
